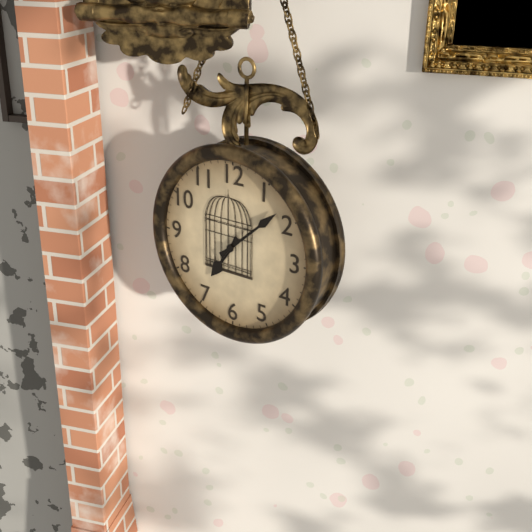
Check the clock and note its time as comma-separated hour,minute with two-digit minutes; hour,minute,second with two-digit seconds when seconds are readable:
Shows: 7,08
